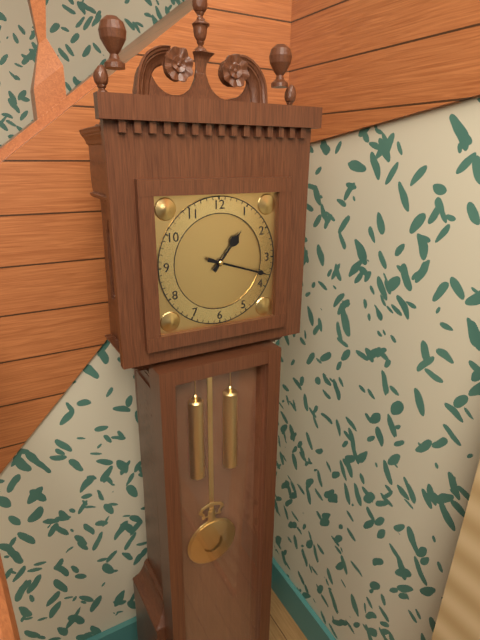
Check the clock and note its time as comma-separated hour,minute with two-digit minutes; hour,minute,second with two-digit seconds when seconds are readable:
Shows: 1,18
